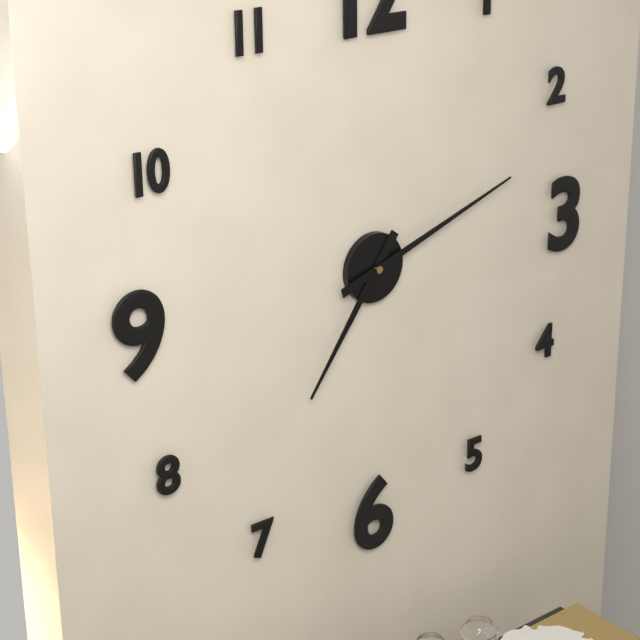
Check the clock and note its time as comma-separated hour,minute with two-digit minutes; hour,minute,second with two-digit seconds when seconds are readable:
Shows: 7,12
